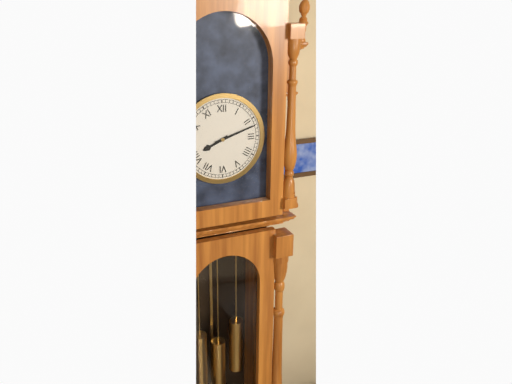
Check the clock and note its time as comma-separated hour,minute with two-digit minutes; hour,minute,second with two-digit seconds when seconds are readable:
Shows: 8,12
